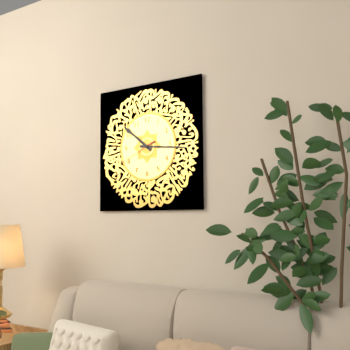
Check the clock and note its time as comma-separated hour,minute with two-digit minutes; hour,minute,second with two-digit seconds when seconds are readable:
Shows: 10,16
